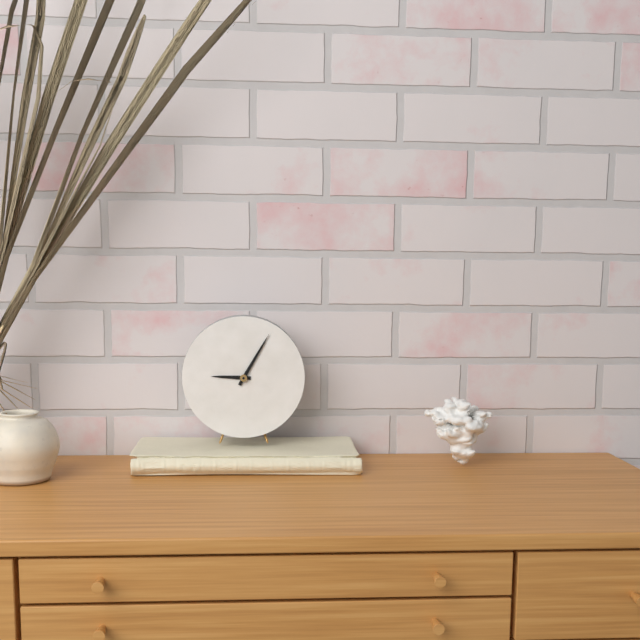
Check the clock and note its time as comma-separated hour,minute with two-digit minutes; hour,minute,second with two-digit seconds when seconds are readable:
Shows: 9,05
